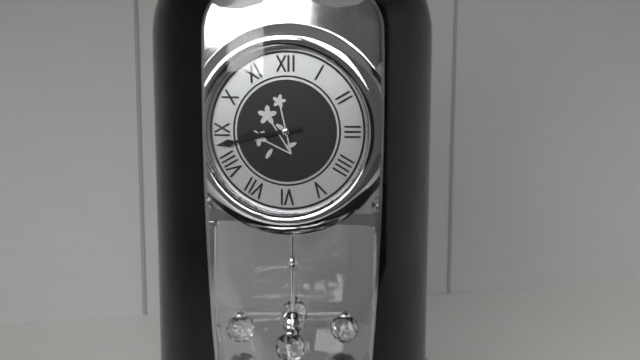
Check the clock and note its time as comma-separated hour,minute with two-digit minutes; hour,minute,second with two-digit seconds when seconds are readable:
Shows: 8,43
